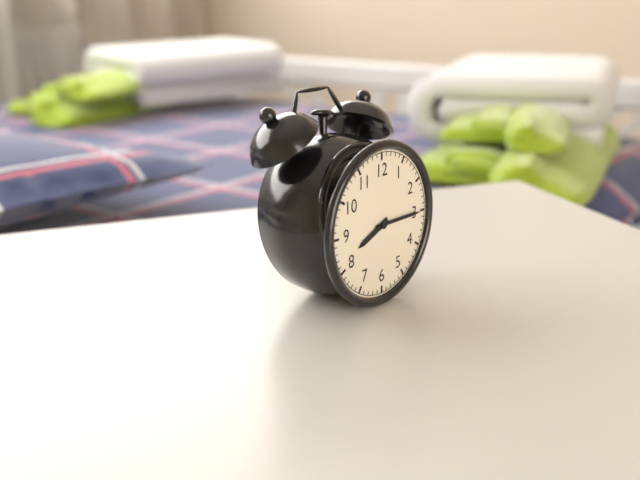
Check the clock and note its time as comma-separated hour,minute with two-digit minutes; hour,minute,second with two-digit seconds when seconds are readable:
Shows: 8,15
